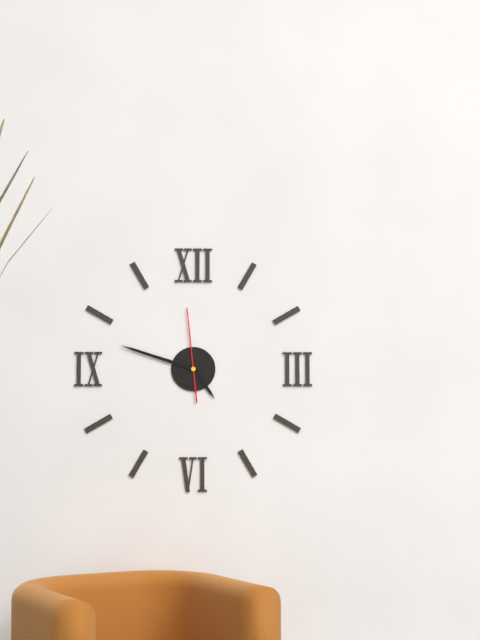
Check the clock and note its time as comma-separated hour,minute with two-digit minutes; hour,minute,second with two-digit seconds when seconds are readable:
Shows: 4,48,59
